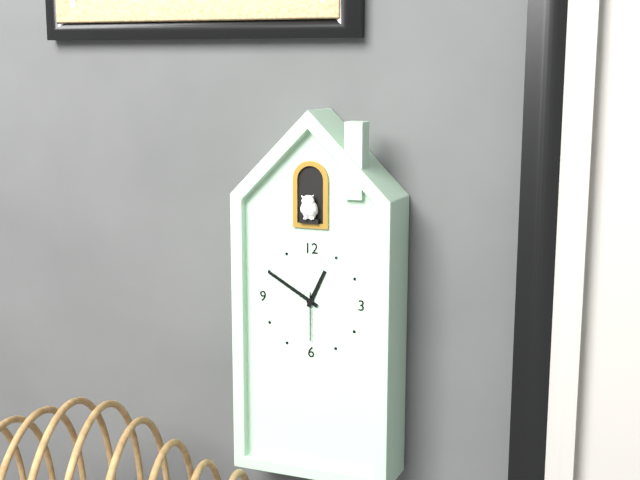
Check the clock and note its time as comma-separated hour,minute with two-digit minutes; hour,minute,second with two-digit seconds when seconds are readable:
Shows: 12,50
